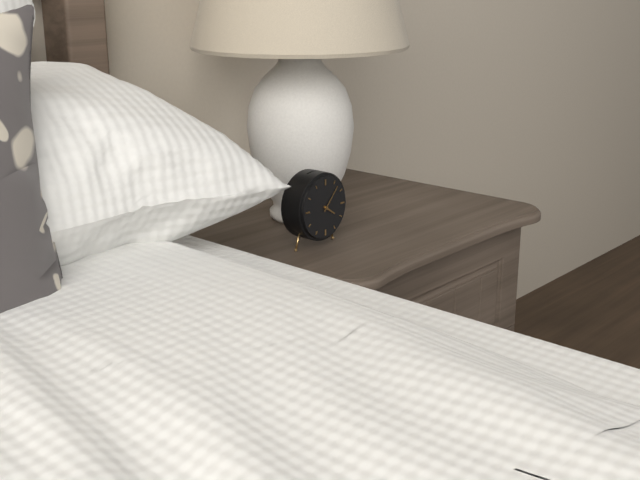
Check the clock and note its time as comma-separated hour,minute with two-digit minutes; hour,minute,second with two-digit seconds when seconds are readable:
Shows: 4,07
